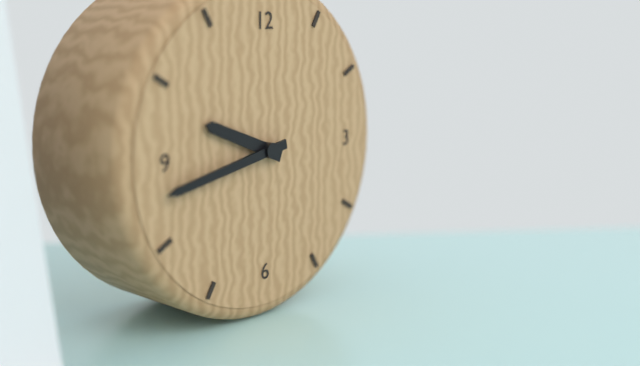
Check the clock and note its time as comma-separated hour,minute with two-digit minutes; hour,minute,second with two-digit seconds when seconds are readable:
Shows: 9,43
